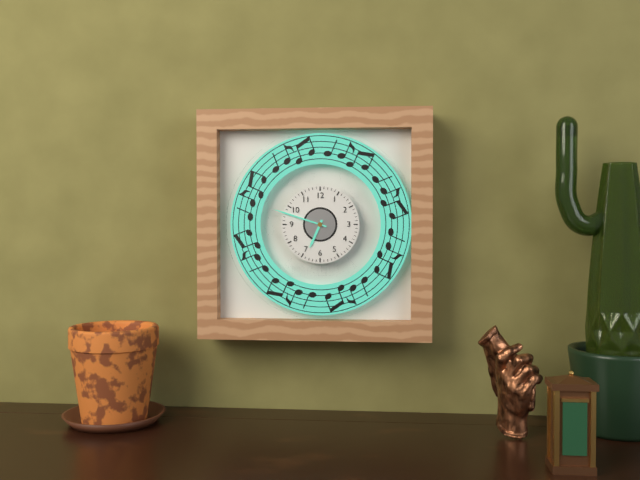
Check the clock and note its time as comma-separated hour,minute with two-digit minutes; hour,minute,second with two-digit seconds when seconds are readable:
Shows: 6,48
